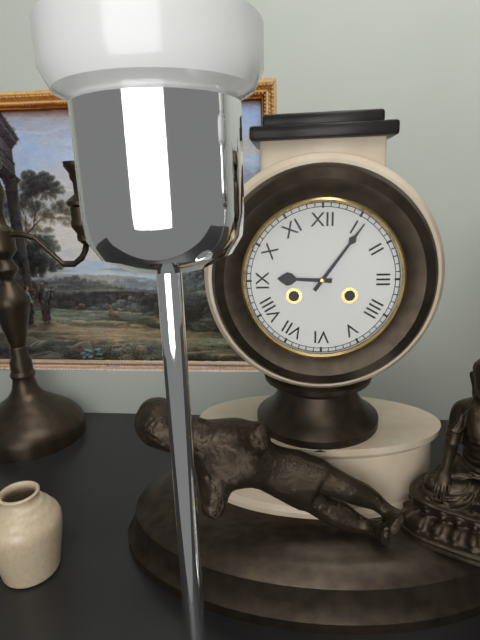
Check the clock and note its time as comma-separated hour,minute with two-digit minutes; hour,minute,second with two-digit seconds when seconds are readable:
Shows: 9,06
